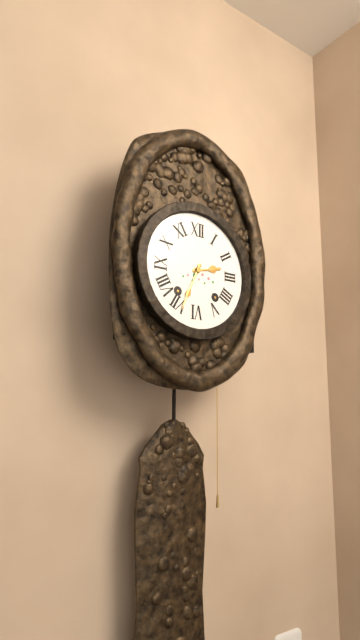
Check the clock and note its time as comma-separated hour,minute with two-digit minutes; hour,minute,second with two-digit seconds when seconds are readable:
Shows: 2,34
